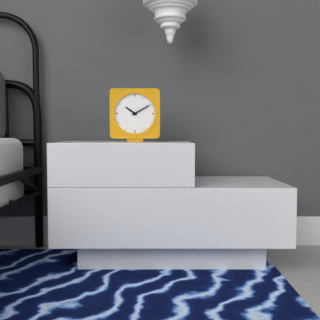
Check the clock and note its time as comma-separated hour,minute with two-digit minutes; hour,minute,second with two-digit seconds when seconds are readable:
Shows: 10,10
